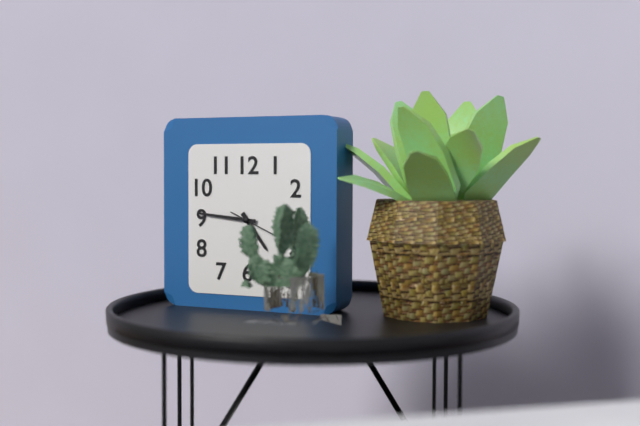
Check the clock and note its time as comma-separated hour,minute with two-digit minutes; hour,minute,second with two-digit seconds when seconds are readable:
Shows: 4,46
